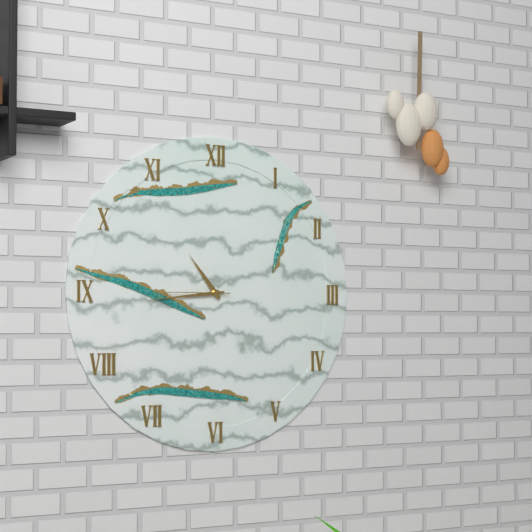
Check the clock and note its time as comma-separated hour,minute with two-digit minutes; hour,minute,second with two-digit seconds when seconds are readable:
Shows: 10,44,45
